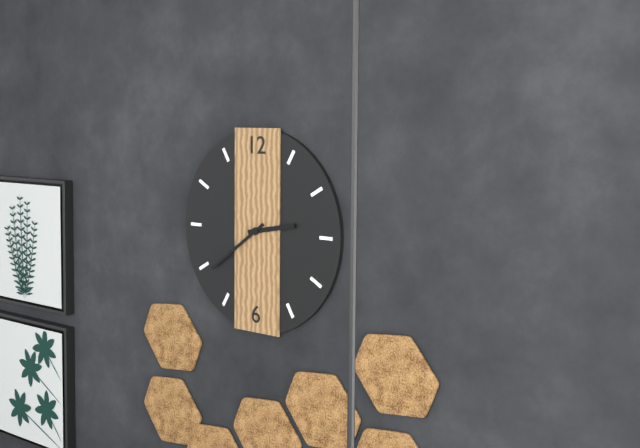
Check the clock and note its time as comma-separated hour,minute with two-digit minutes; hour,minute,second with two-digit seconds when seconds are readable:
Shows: 2,39
